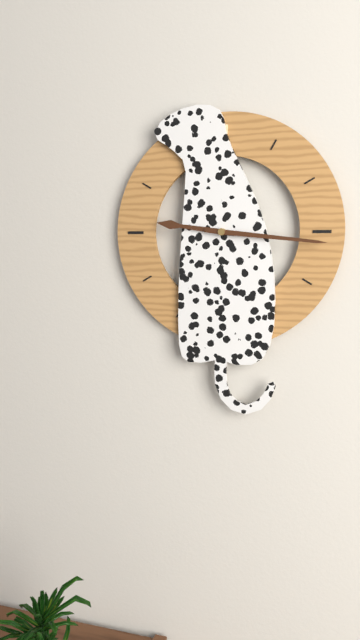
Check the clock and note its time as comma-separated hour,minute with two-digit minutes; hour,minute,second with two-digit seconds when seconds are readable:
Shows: 9,16
